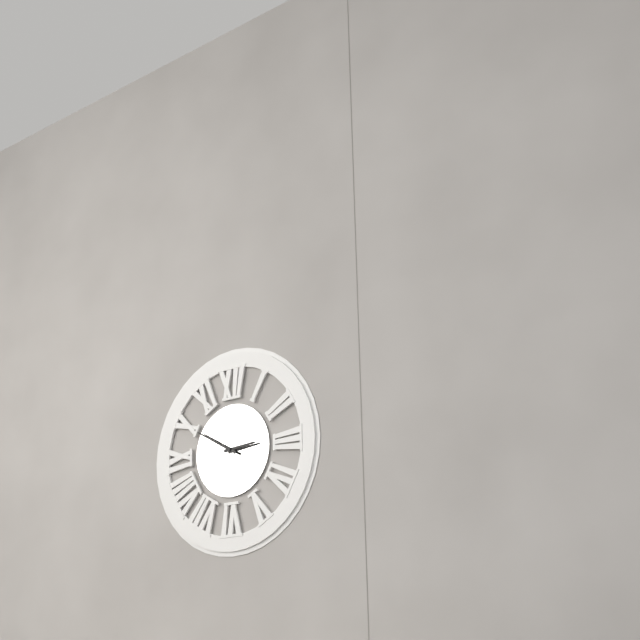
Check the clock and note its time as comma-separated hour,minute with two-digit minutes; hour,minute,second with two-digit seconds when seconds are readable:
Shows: 2,50
